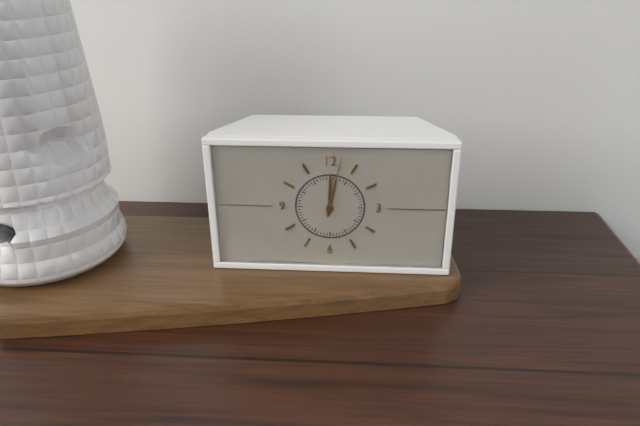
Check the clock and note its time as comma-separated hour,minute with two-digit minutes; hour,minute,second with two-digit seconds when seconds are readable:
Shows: 12,02
